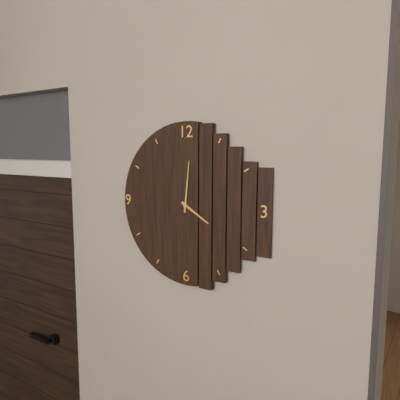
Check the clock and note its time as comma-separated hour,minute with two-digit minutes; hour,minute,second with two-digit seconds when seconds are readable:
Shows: 4,01
